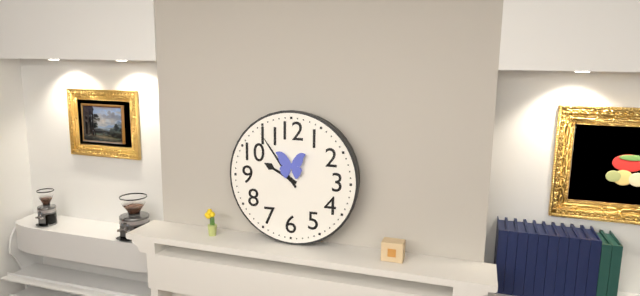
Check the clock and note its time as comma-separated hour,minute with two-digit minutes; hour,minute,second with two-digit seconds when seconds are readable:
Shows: 9,54
